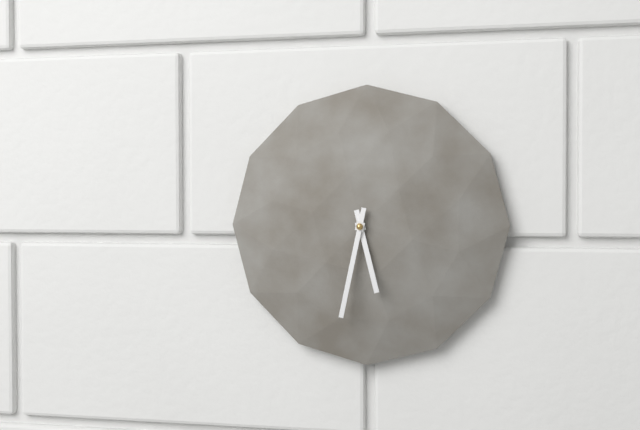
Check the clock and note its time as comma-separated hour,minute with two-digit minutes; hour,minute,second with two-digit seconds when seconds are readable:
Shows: 5,32
